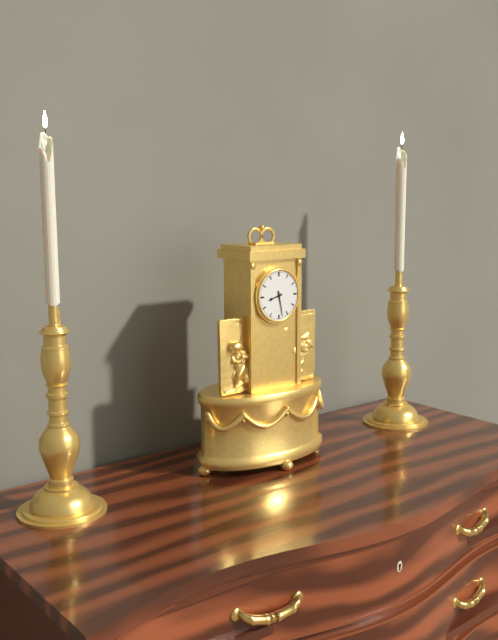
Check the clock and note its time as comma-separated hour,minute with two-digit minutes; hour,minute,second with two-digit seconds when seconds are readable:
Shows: 8,28
